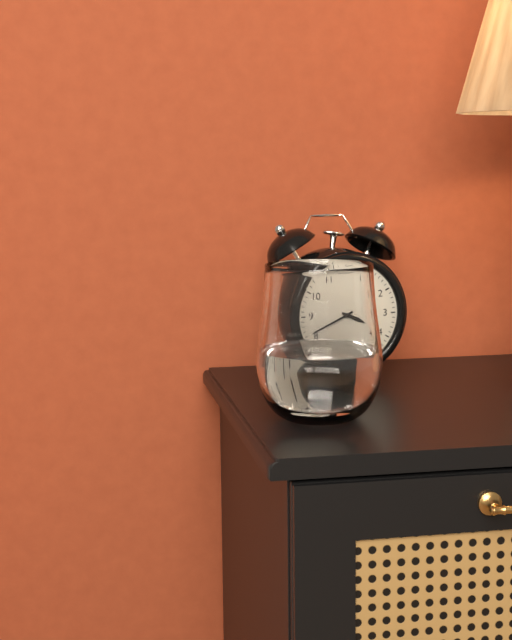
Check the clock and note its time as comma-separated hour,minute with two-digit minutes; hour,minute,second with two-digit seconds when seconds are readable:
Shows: 3,41
